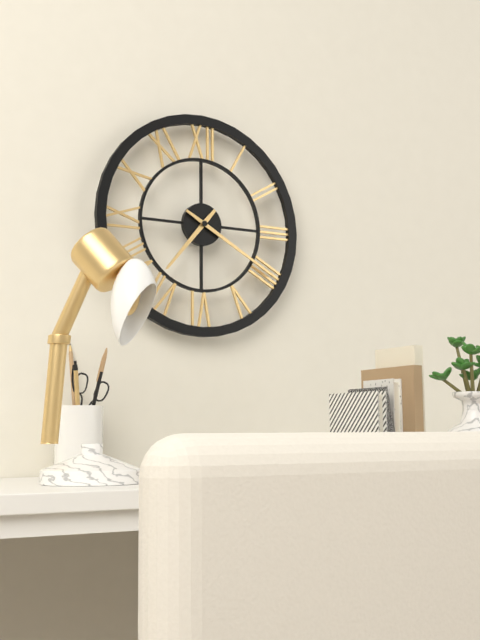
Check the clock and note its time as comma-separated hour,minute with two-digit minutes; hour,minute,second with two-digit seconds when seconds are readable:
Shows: 7,20
